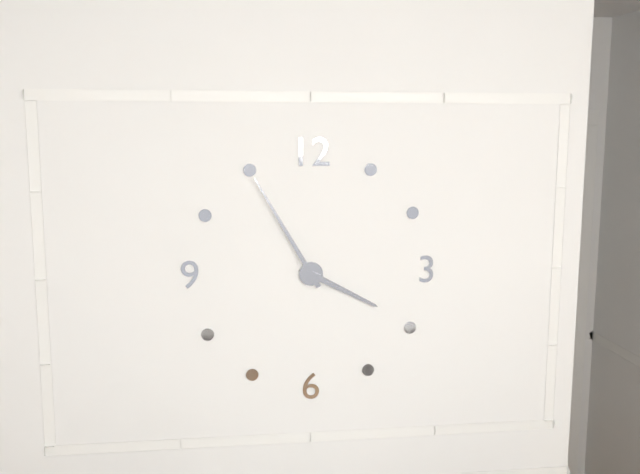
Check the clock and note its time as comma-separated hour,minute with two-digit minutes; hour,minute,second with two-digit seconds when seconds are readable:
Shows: 3,55
